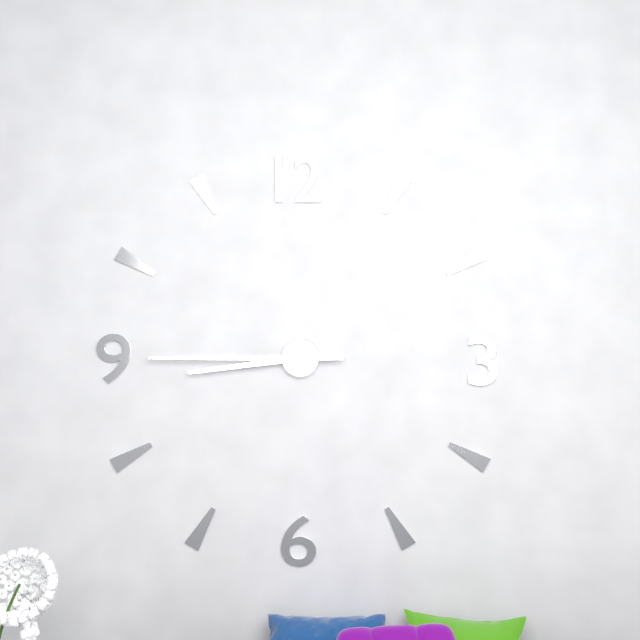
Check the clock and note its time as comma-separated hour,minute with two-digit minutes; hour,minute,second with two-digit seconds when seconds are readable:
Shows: 8,45
